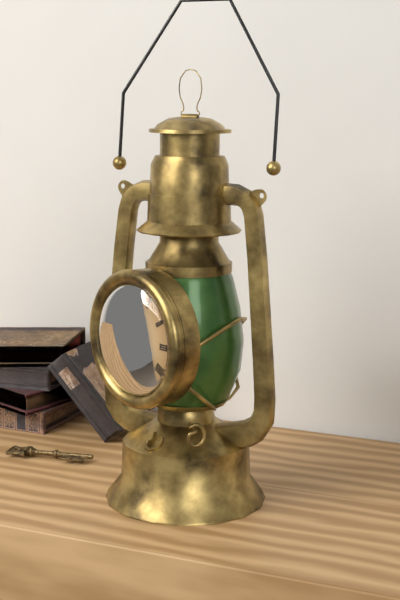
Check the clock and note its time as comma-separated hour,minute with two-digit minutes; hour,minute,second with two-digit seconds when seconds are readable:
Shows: 11,51
